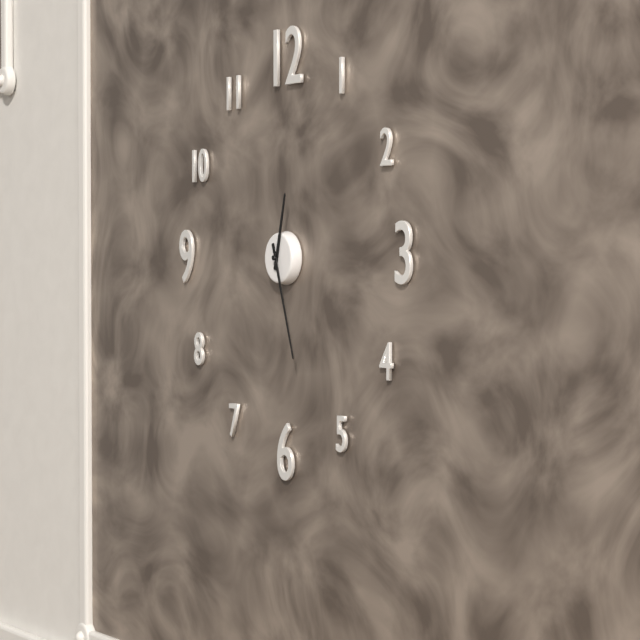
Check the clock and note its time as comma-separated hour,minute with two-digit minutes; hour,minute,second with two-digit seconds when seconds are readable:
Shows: 12,27
